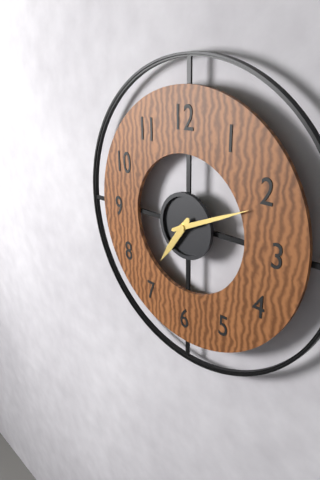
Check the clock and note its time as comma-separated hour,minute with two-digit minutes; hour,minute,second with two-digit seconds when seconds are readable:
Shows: 7,11
